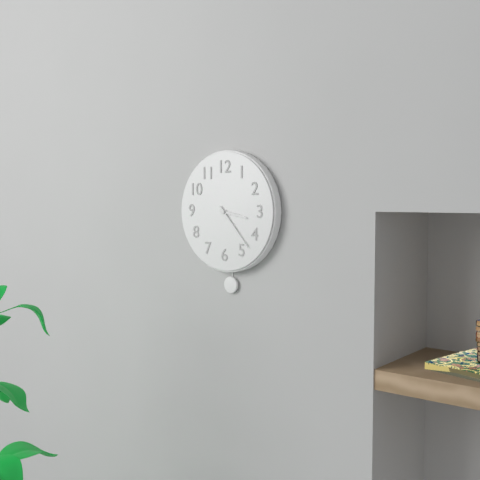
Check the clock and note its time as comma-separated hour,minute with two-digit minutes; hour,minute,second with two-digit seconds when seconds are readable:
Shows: 3,23
